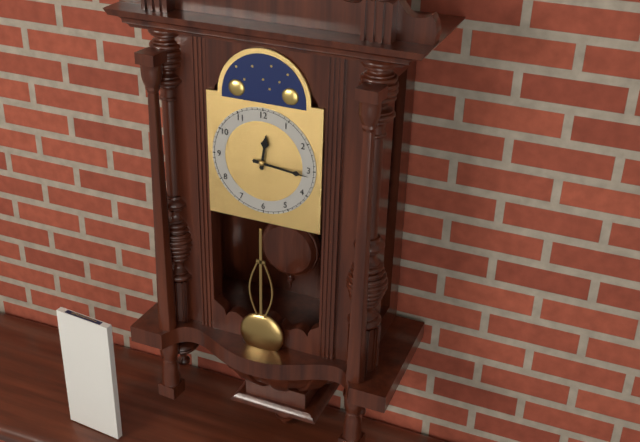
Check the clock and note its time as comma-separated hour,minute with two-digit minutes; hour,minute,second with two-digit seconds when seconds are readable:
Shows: 12,16
